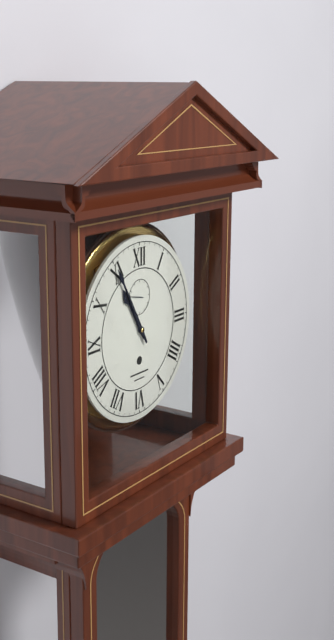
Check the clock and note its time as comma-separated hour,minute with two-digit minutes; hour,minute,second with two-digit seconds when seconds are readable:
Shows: 10,55
